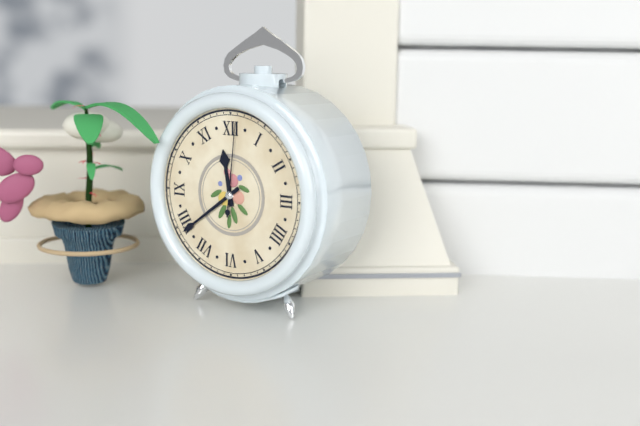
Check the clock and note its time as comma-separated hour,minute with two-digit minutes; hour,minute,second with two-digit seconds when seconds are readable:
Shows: 11,39,01
